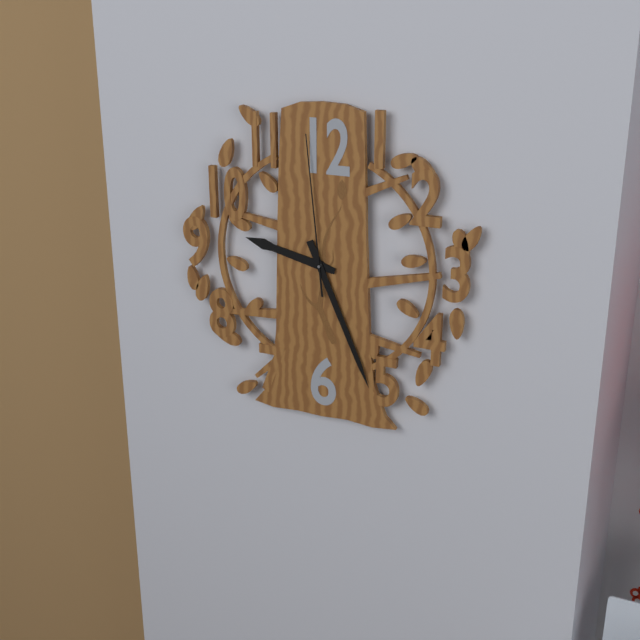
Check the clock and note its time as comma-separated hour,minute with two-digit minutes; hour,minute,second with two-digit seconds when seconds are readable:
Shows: 9,26,59
